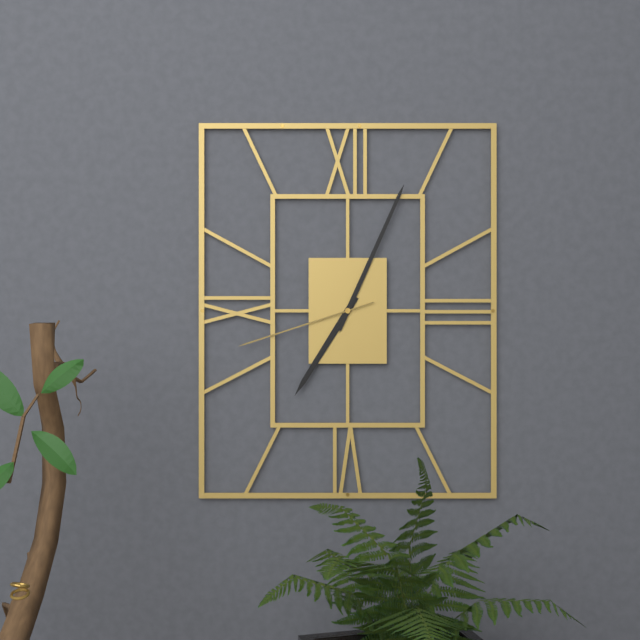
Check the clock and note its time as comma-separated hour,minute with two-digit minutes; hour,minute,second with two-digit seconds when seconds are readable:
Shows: 7,04,42
